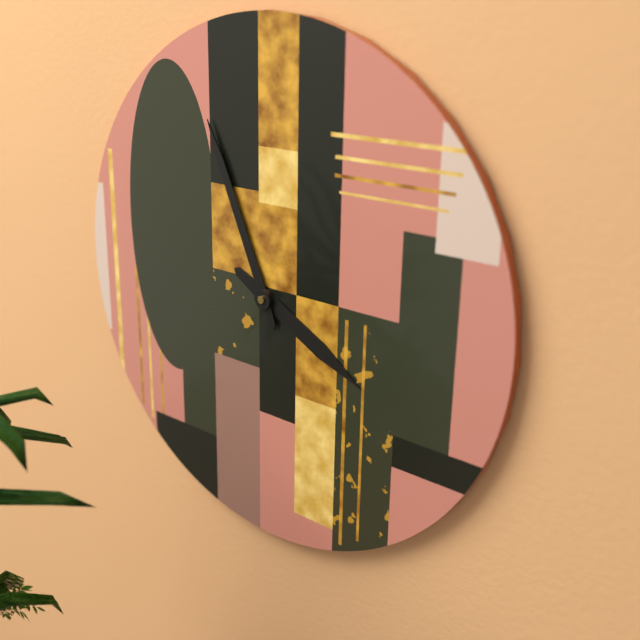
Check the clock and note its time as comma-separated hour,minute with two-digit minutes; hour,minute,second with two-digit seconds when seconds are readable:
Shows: 3,56
